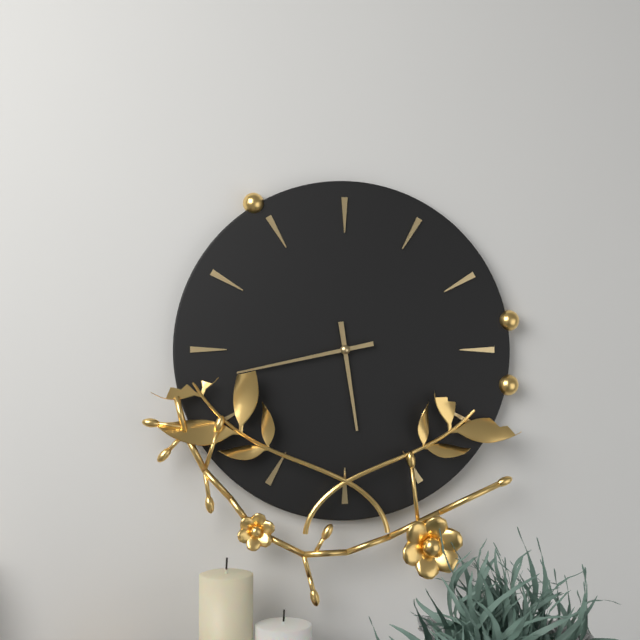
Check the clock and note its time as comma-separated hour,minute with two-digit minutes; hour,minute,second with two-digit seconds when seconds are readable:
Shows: 5,43
